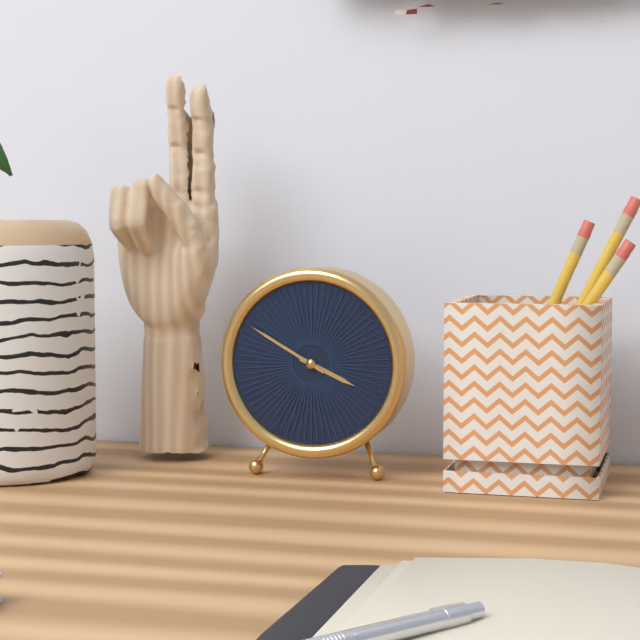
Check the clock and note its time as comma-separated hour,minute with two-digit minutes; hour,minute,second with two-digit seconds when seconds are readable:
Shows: 3,50
